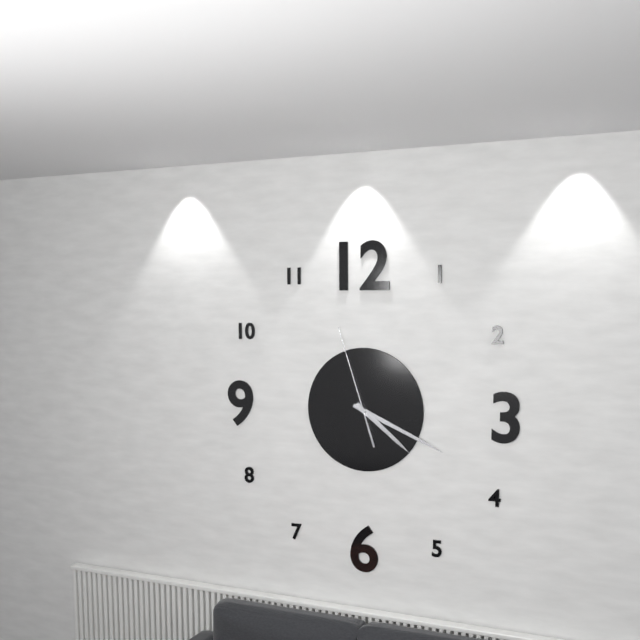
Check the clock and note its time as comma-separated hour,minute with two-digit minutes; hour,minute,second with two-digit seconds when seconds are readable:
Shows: 4,19,57
